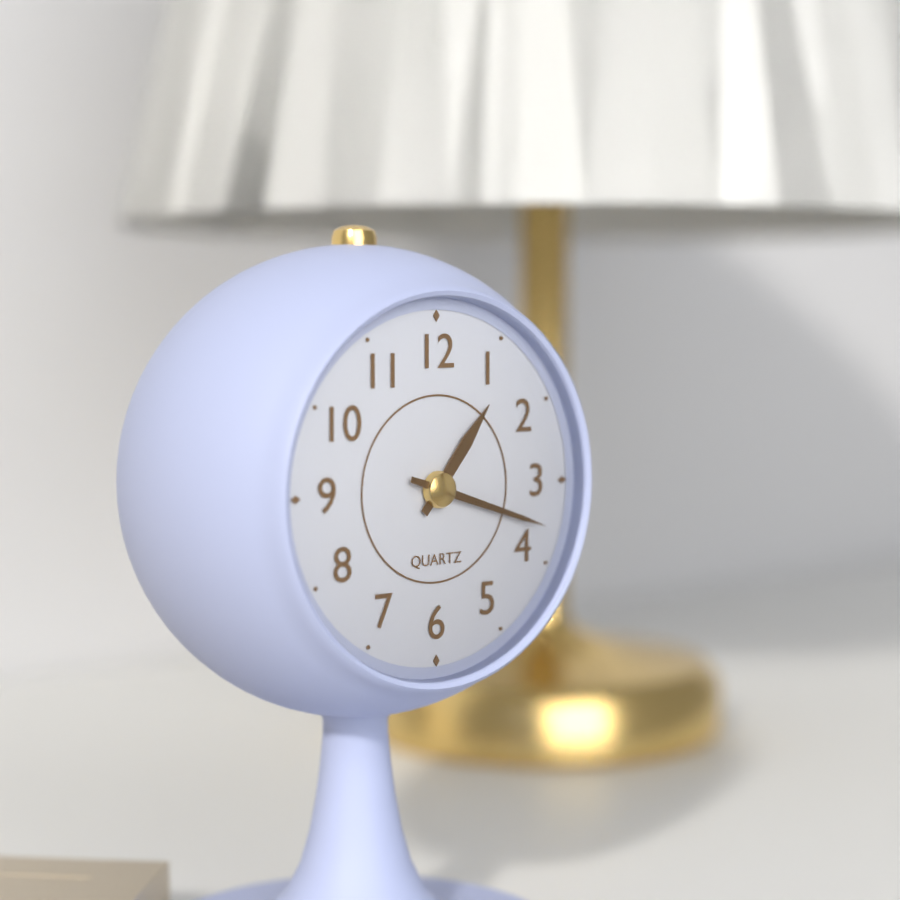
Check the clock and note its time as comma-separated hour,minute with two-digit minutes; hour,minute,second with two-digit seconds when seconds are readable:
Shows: 1,18
